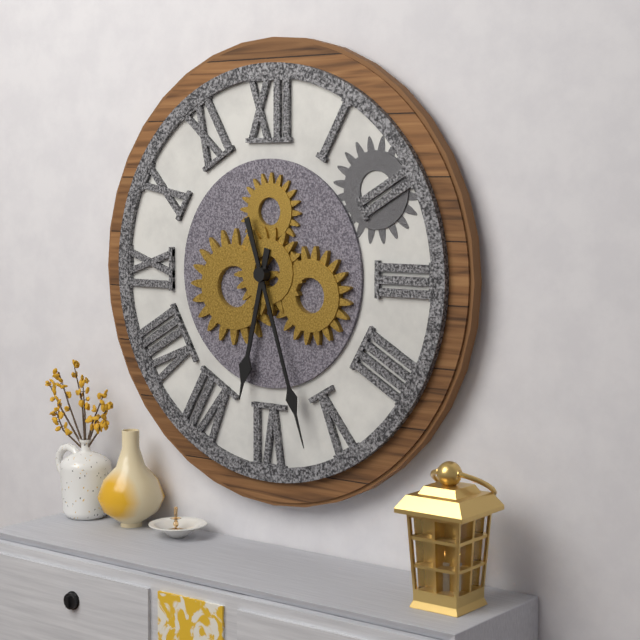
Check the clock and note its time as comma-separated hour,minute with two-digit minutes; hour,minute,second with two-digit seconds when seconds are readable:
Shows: 6,27
